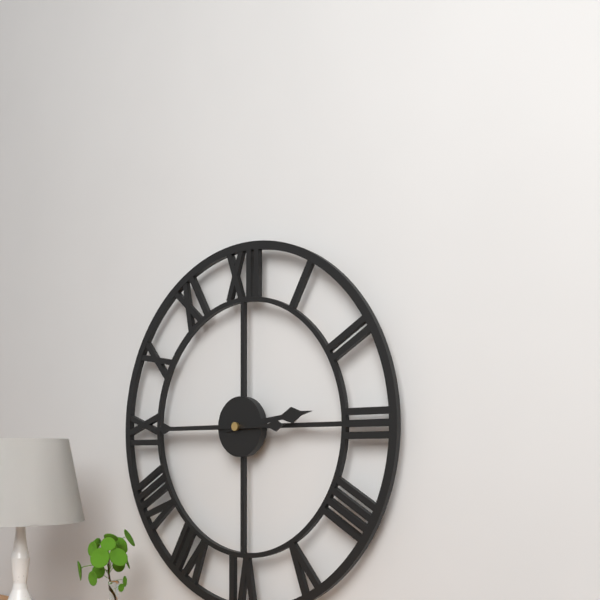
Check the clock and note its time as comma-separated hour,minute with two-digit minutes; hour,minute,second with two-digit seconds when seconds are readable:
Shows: 2,45
